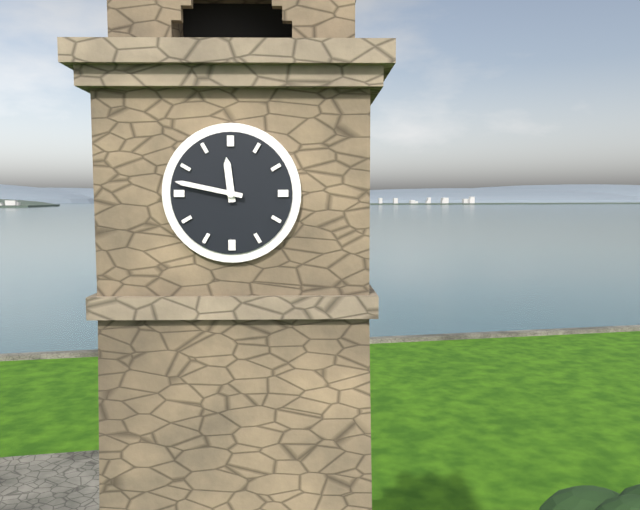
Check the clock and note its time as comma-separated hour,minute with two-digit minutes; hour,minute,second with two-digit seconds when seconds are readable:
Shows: 11,47
